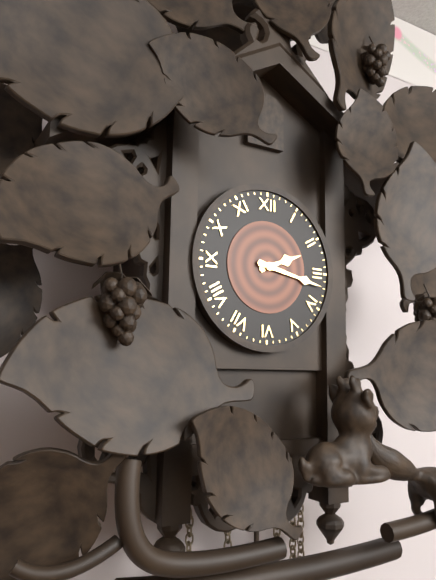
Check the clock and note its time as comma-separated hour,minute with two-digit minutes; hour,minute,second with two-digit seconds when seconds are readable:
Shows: 2,17
